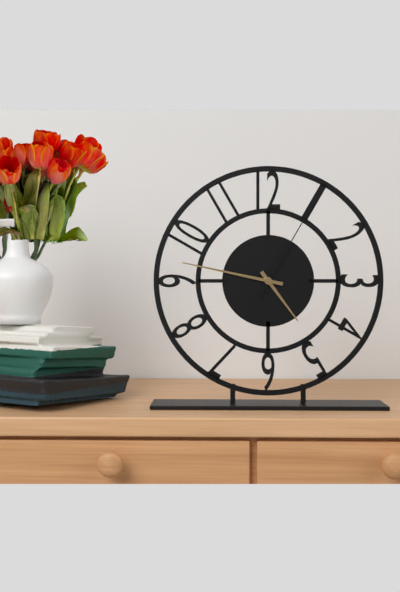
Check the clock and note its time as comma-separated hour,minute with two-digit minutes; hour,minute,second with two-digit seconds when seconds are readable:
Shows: 4,47,05
